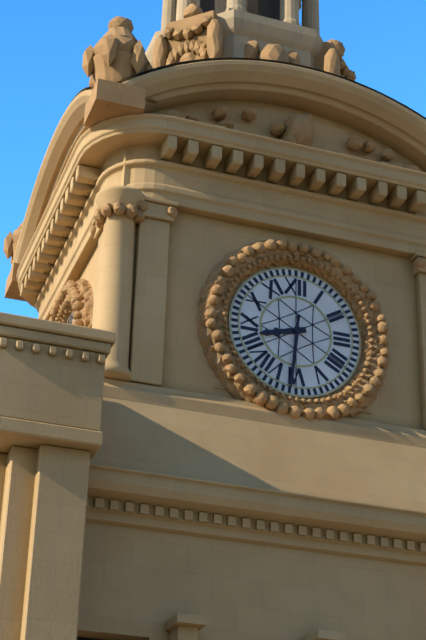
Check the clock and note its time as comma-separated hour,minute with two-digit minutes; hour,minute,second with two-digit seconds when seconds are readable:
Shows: 8,31
